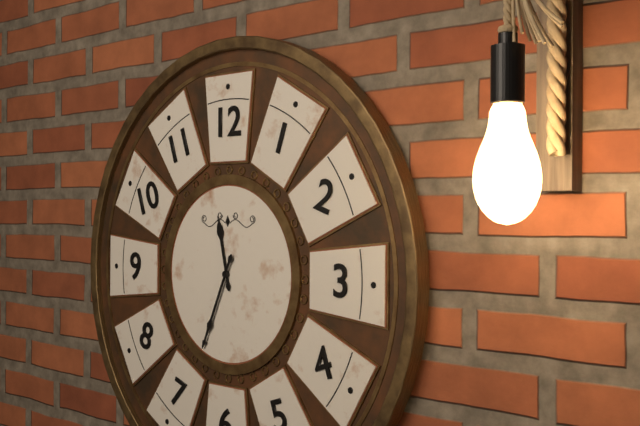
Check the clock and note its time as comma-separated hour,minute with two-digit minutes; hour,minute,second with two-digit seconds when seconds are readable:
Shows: 11,34
